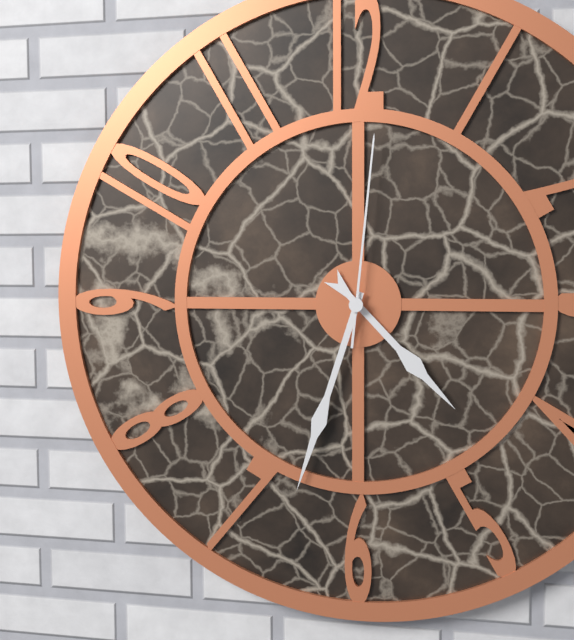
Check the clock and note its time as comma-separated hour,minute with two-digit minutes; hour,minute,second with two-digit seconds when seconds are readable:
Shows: 4,33,01
